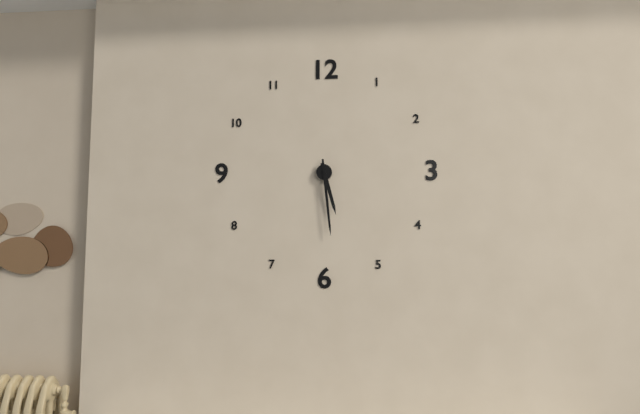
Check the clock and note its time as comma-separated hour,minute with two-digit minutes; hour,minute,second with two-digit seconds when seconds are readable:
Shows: 5,29
